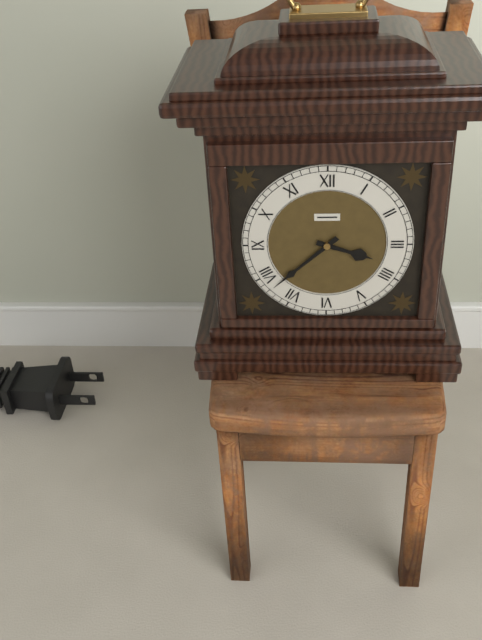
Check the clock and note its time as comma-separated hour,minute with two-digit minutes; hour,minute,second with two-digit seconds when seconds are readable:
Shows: 3,38
